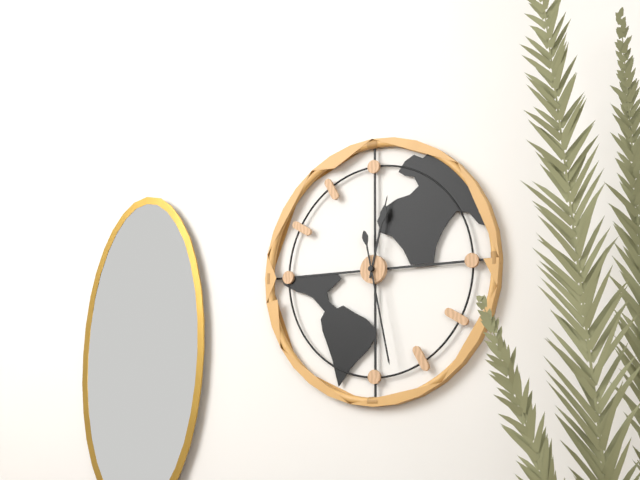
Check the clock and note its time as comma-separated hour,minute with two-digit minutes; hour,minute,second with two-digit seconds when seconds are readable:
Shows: 12,28
